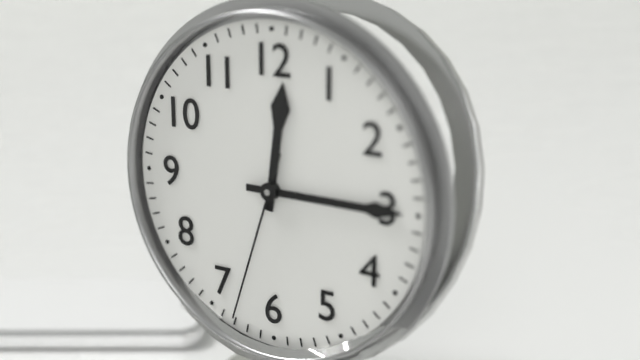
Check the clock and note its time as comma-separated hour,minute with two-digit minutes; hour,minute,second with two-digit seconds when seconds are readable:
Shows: 12,15,33
